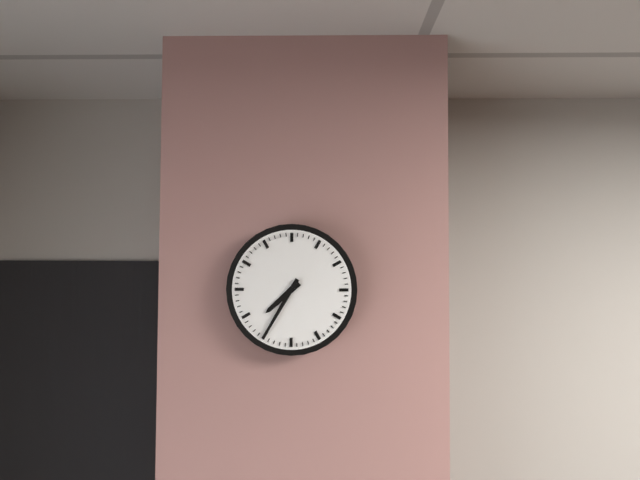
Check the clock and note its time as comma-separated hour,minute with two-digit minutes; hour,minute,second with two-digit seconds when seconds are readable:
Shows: 7,35
